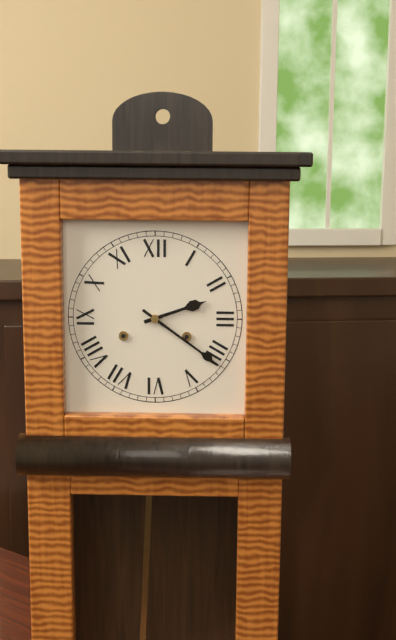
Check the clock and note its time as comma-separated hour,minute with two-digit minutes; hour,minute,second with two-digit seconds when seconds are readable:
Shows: 2,21
